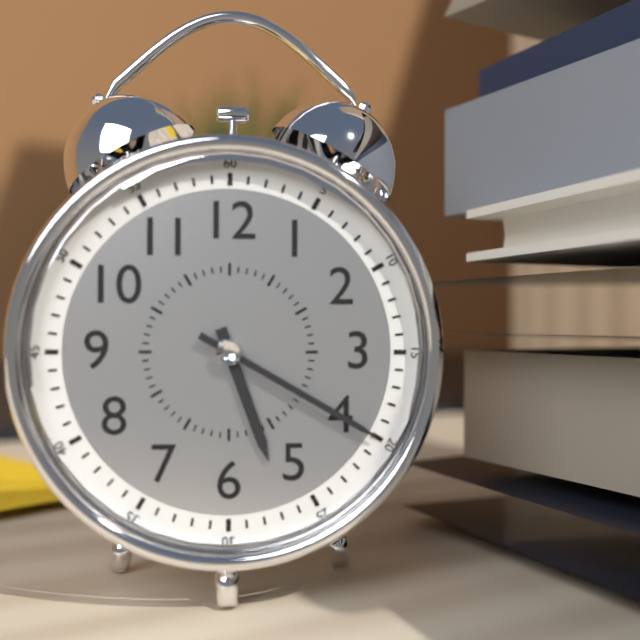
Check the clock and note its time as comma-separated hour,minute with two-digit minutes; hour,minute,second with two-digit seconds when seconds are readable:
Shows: 5,20
